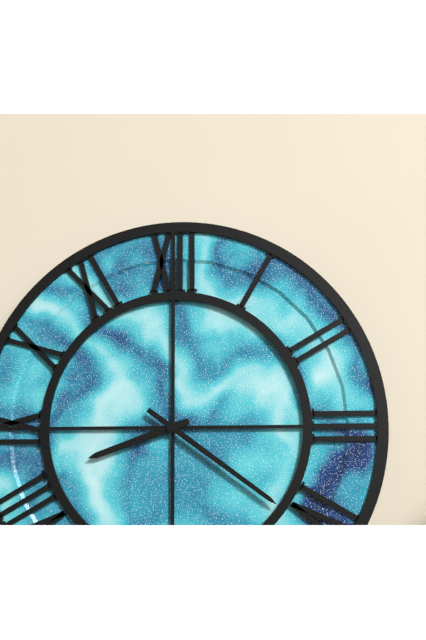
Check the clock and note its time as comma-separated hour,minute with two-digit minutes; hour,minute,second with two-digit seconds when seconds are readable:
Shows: 8,21
